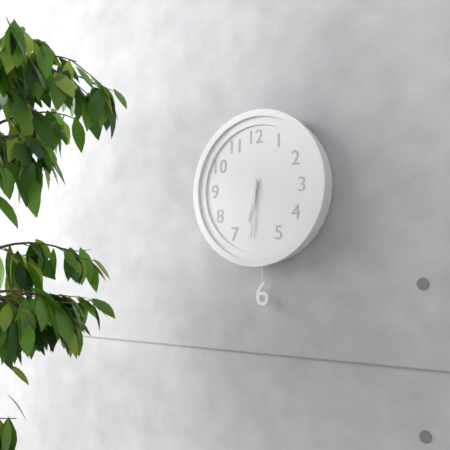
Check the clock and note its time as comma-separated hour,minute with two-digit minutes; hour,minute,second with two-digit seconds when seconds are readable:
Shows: 6,31
